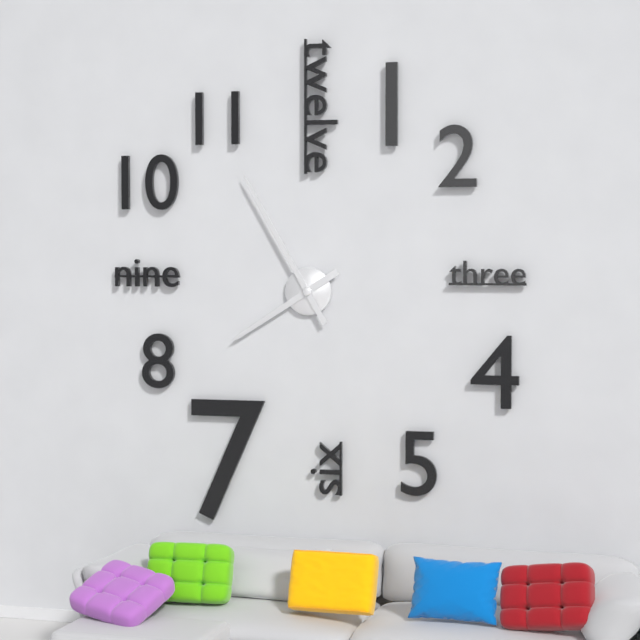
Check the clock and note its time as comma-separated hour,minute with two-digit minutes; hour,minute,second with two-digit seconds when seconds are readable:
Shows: 7,55
